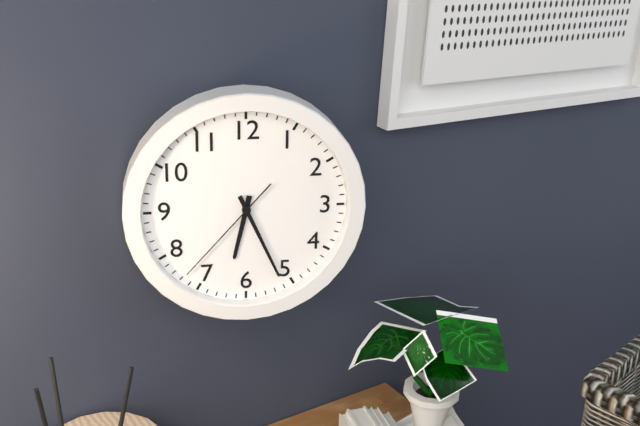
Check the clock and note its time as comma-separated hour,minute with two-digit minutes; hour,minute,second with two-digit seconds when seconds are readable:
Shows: 6,26,37
